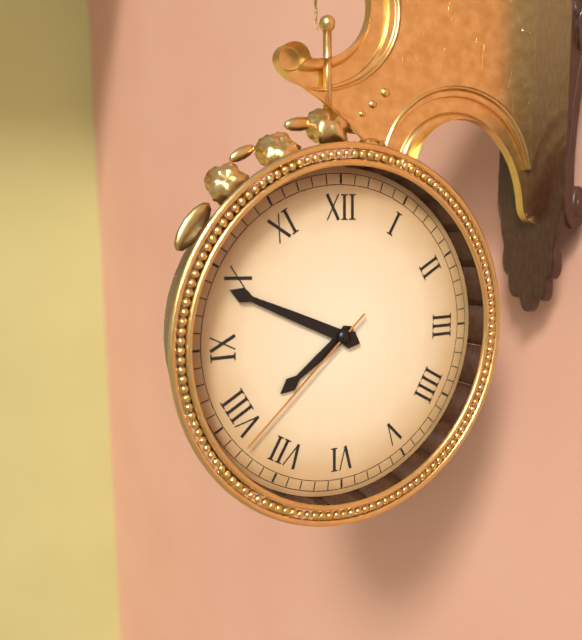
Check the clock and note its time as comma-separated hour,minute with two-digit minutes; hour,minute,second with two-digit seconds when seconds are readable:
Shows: 7,49,38
